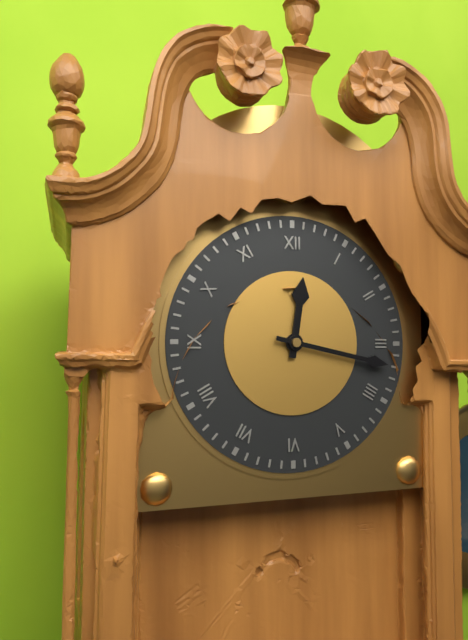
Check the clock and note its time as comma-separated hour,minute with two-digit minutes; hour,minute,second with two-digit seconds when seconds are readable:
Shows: 12,17
